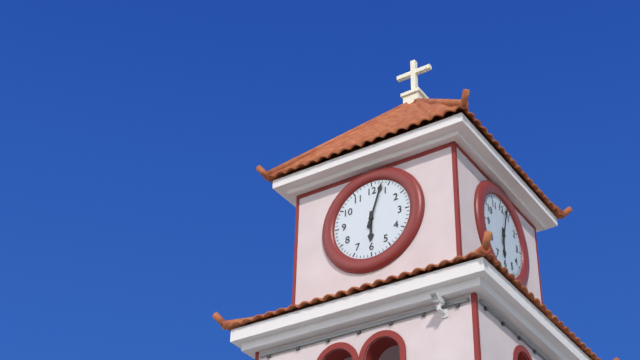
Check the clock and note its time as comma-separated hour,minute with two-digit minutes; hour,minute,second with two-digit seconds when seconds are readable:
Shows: 6,03
